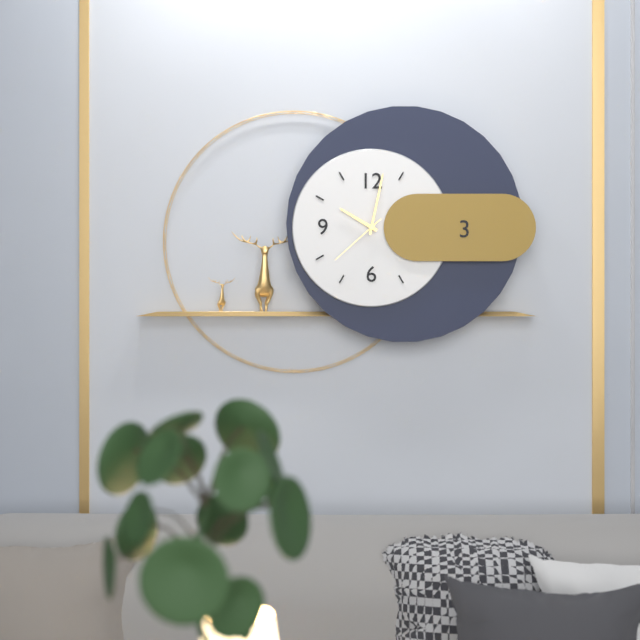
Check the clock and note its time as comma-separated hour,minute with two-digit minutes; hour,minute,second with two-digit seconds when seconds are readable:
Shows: 10,02,38
